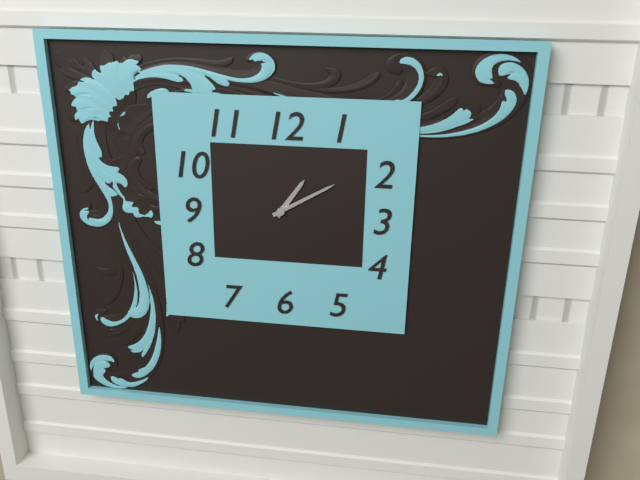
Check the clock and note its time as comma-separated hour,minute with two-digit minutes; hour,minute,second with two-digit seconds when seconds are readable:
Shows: 1,10
